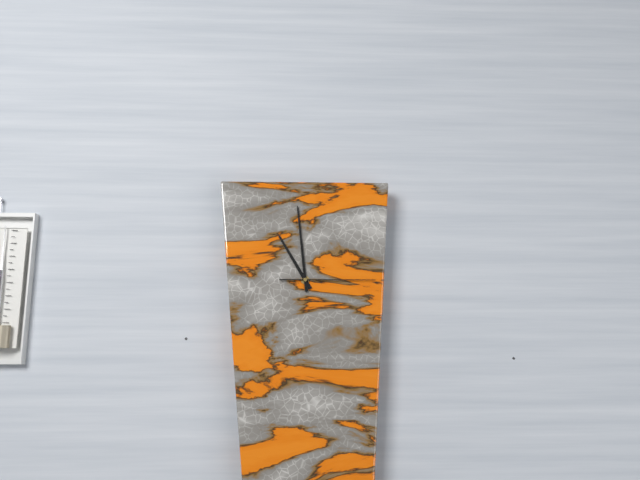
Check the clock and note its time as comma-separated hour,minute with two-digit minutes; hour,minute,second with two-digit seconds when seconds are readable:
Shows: 10,59,15
